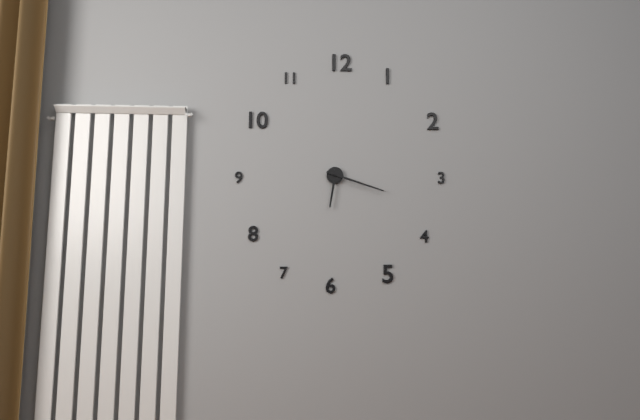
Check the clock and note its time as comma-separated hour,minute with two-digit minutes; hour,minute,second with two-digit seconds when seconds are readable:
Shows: 6,18
